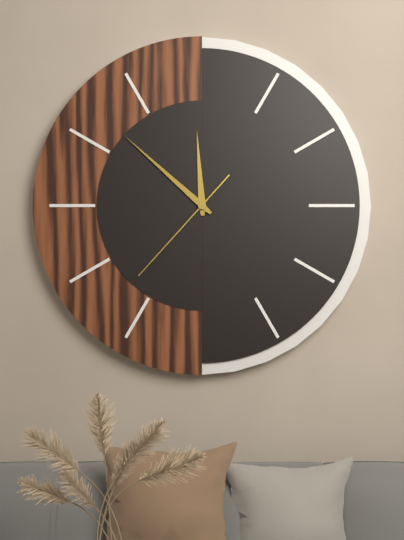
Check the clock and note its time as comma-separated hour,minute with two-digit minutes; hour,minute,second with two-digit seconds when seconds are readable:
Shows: 11,52,37
